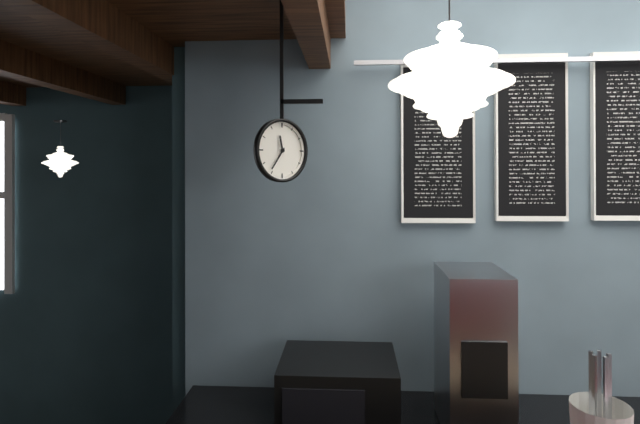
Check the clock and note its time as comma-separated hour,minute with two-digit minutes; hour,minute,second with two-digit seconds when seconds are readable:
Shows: 11,36
